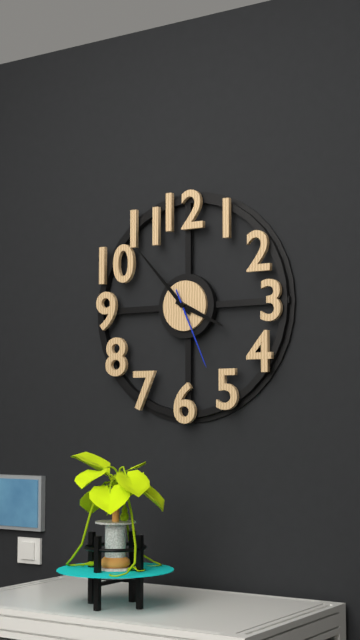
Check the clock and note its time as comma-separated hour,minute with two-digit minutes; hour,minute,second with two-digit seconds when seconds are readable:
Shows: 3,53,26
